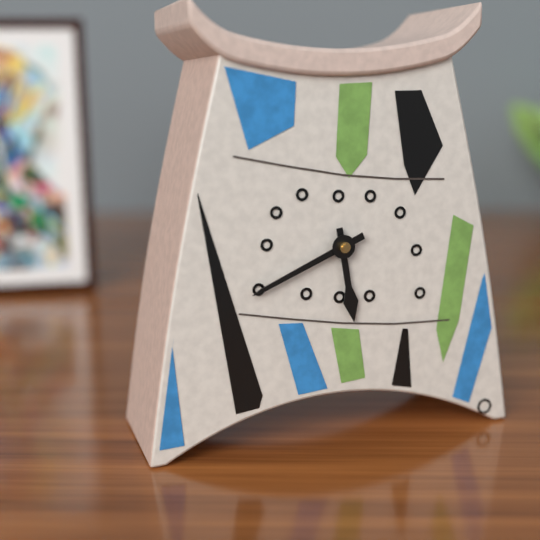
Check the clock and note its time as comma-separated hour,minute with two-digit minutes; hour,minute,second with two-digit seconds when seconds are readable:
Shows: 5,41
